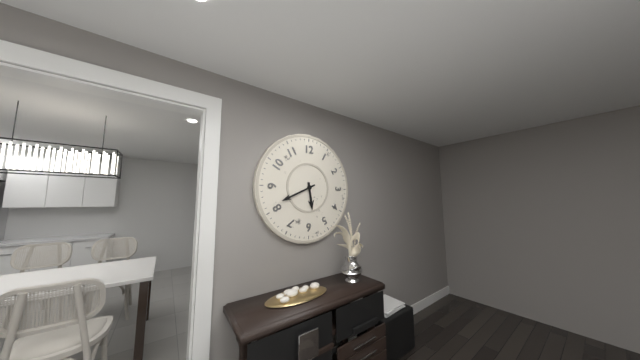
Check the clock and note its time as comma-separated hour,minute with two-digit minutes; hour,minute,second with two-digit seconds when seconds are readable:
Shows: 5,41
